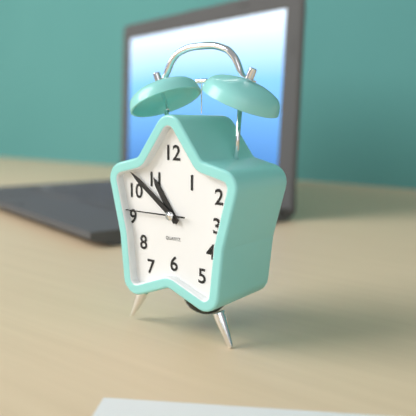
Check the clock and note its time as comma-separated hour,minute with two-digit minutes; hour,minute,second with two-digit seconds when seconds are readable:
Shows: 10,51,45
